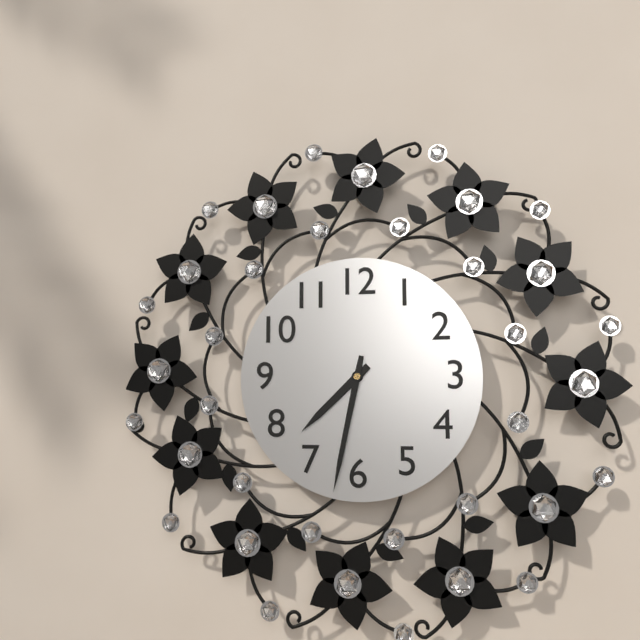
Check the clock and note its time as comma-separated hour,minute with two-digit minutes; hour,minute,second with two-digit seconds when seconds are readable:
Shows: 7,32
